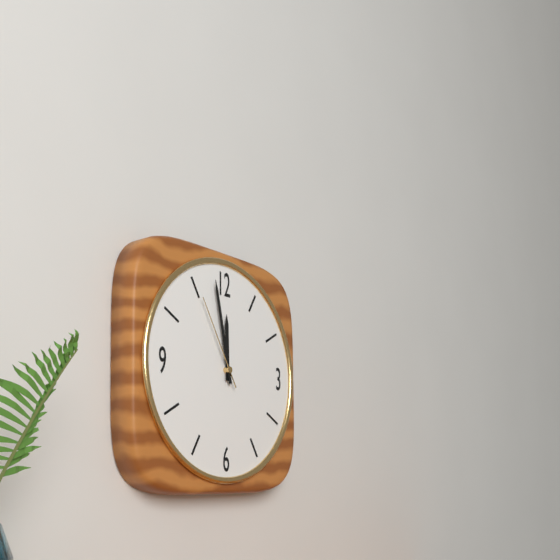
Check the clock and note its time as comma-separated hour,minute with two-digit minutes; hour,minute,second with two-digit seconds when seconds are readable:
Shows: 11,58,55
